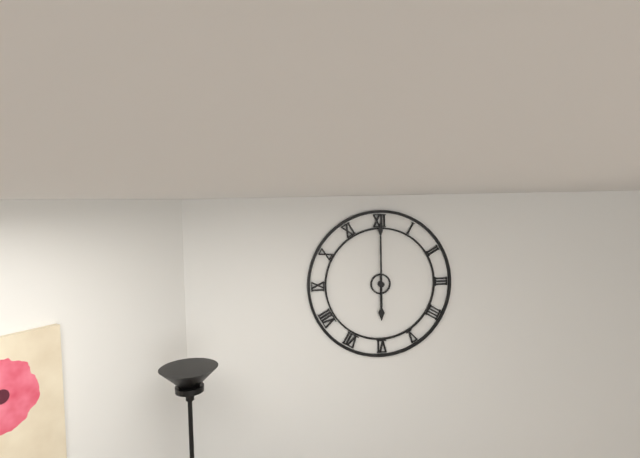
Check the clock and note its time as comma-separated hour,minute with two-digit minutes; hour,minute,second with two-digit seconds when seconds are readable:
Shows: 6,00
